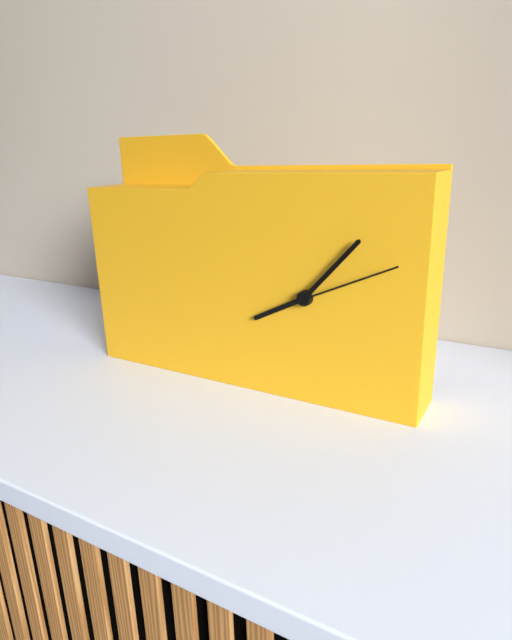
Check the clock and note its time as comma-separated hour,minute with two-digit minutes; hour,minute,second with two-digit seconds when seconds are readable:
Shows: 8,07,11
